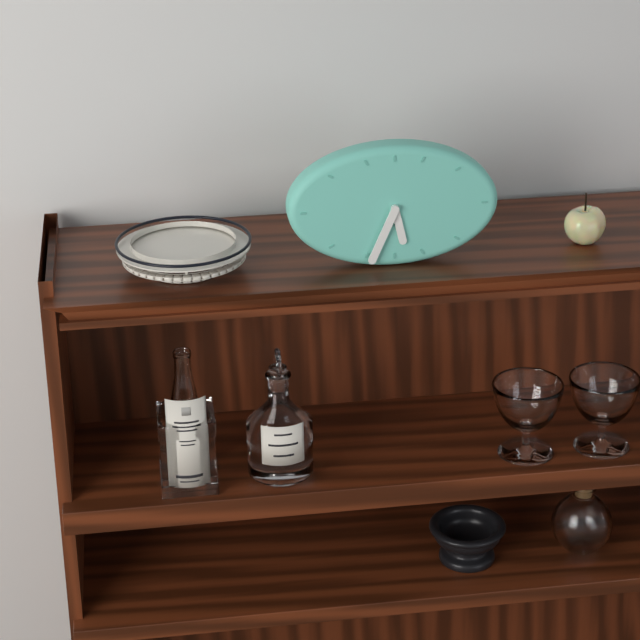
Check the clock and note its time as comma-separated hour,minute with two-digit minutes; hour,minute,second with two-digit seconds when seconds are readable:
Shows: 5,34
